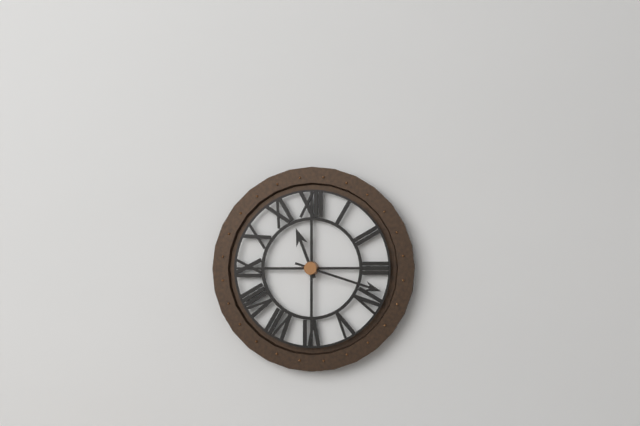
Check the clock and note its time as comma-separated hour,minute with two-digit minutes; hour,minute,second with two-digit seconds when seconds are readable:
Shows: 11,18
